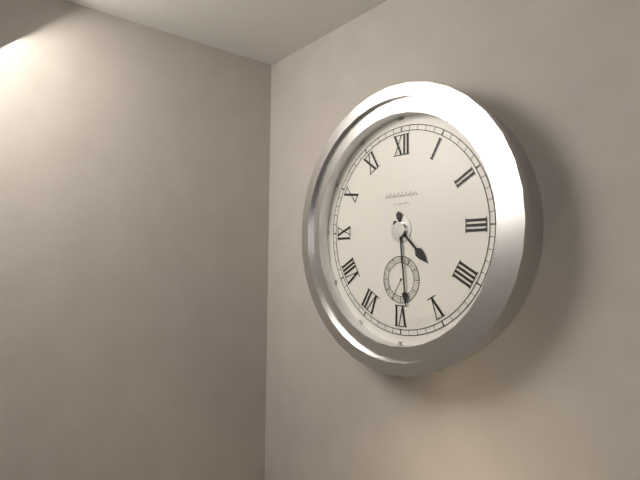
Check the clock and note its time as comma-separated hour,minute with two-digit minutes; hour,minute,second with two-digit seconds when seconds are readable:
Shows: 4,29
